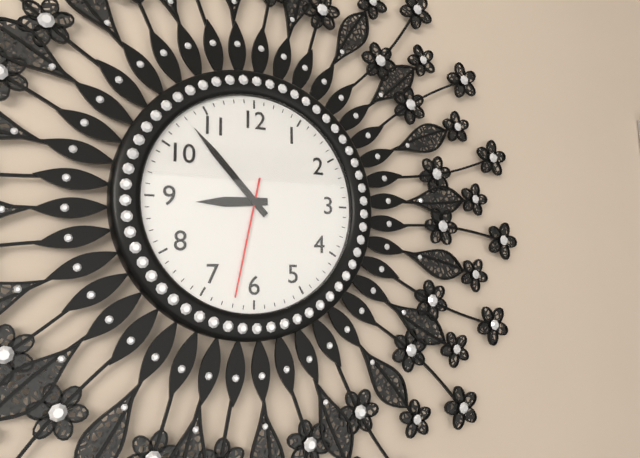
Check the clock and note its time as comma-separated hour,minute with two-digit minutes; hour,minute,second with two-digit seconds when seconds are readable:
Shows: 8,53,32
